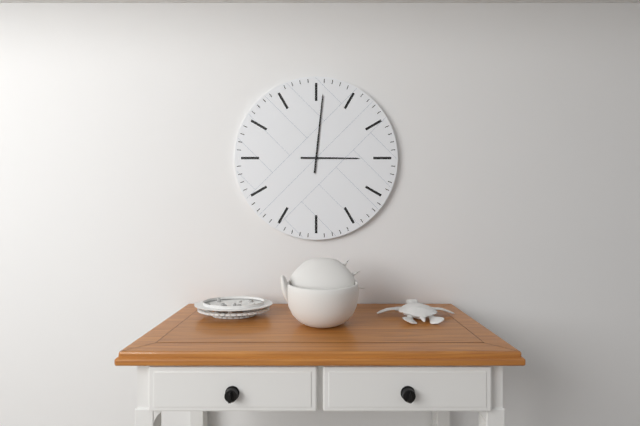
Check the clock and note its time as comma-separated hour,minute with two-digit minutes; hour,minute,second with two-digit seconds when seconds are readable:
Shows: 3,01
